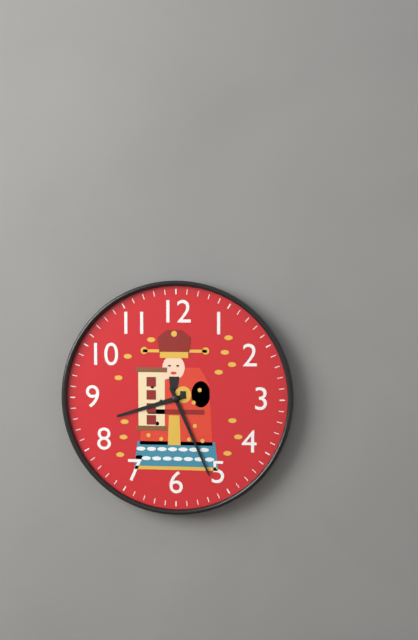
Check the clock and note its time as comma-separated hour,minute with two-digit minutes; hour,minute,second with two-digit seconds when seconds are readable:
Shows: 8,26
